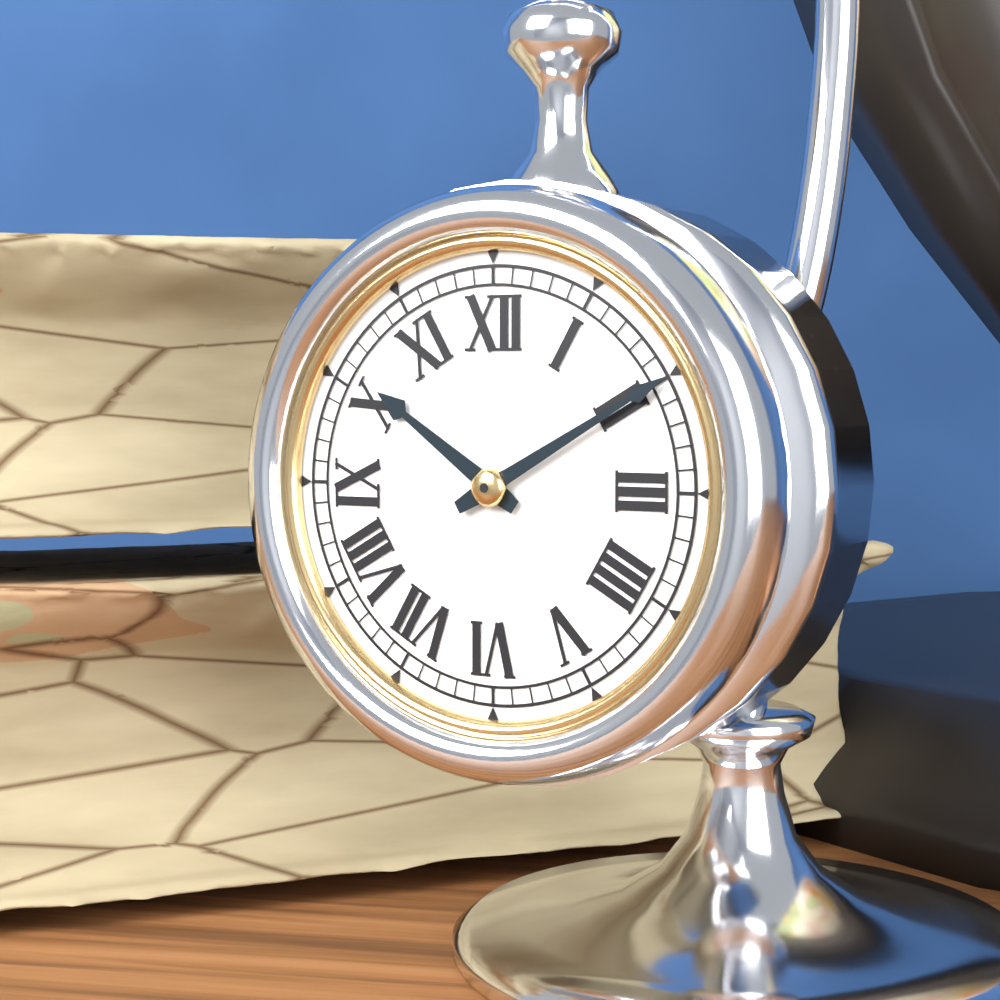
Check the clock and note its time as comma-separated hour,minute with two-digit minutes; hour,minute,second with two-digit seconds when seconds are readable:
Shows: 10,10
